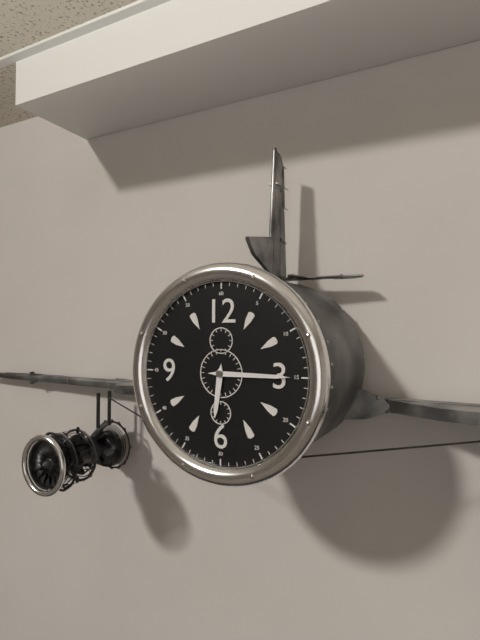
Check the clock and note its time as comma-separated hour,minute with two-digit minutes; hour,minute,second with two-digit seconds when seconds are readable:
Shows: 6,15
